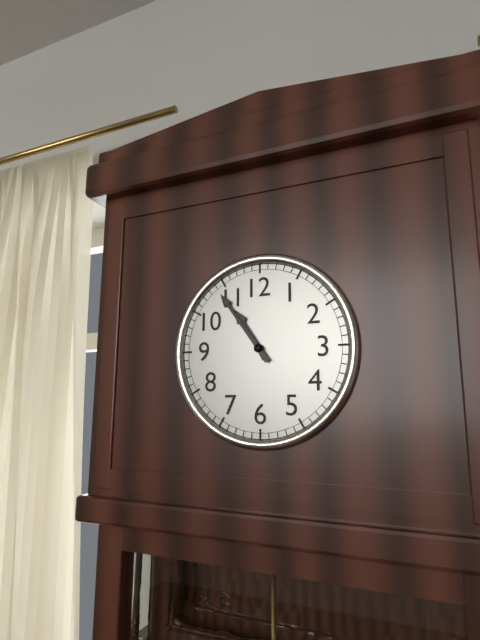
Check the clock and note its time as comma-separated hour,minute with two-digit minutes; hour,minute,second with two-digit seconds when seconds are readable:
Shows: 10,54
